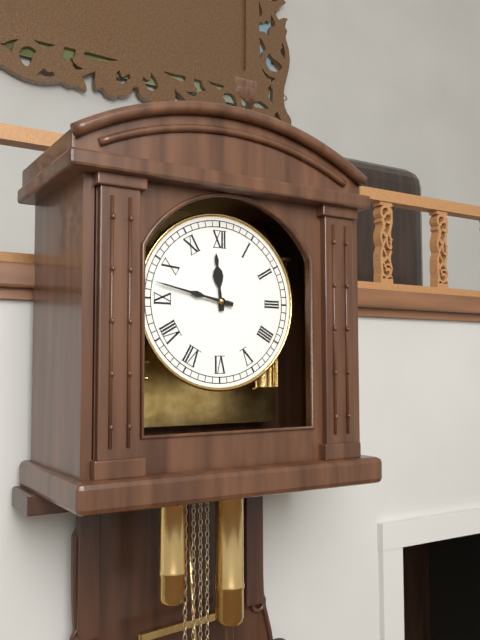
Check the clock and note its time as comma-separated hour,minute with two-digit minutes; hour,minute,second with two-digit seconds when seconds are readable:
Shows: 11,47
